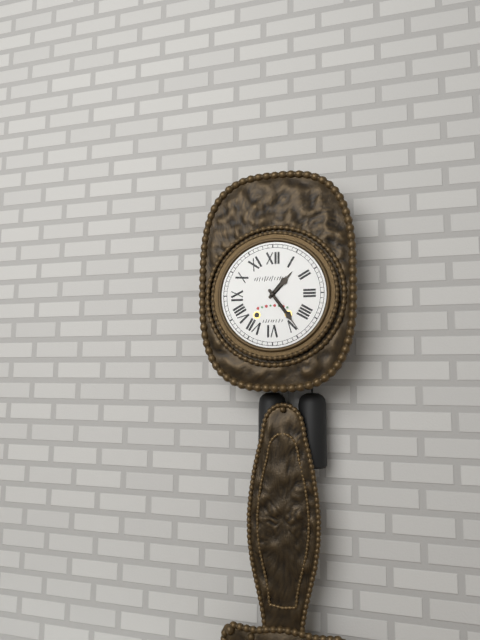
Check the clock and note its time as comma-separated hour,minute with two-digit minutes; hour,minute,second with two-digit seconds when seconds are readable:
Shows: 1,24
